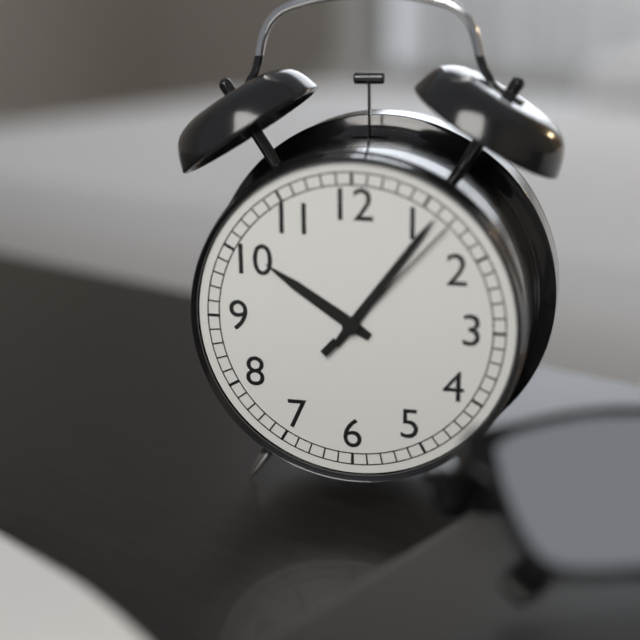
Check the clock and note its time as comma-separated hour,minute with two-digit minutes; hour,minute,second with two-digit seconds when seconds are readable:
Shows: 10,06,07
